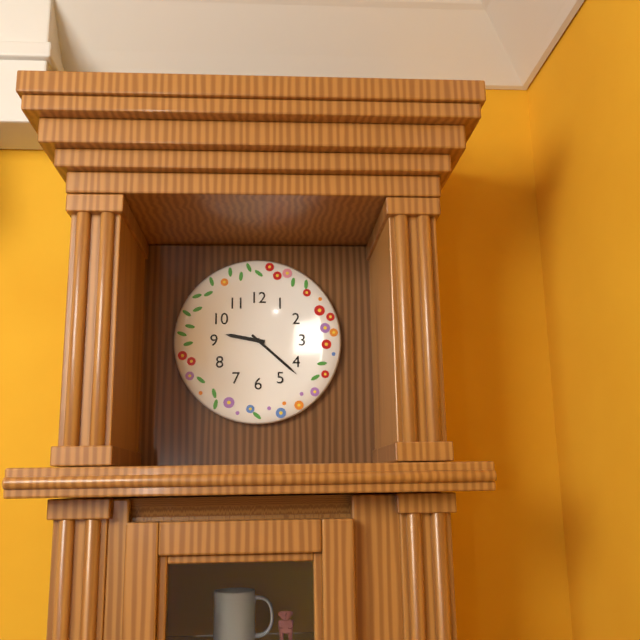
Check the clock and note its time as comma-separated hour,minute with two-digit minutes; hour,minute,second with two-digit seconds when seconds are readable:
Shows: 9,22
